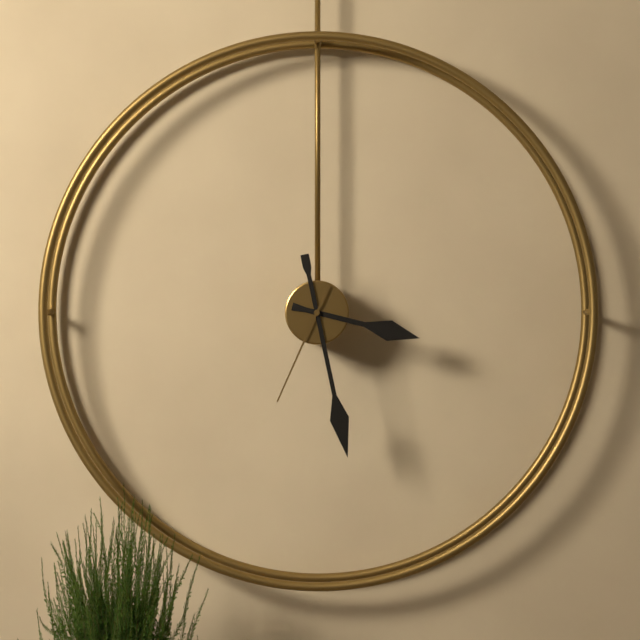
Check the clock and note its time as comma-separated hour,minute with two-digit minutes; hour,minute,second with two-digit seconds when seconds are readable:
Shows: 3,28,34
